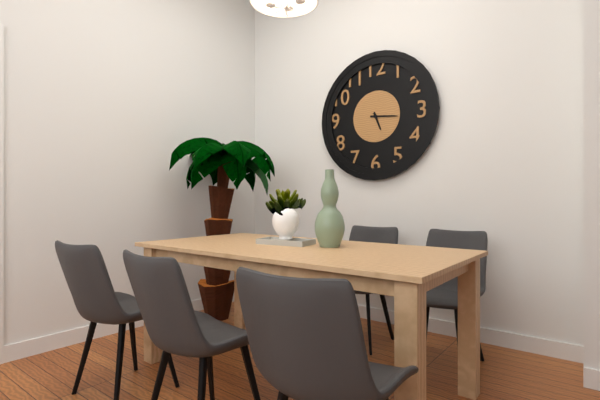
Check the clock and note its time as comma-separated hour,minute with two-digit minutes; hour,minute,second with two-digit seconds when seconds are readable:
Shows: 5,16
